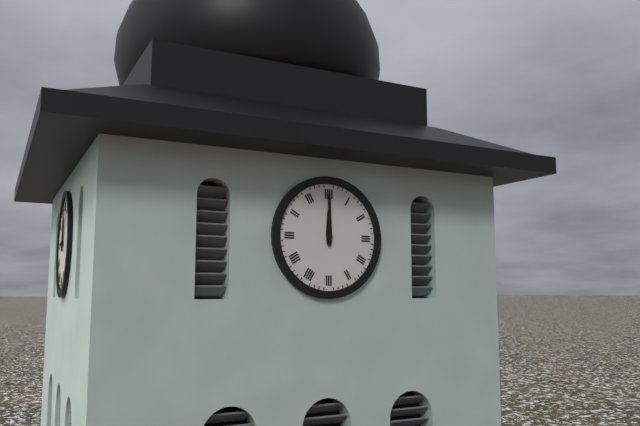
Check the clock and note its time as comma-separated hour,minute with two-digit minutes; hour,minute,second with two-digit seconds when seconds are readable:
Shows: 12,00
